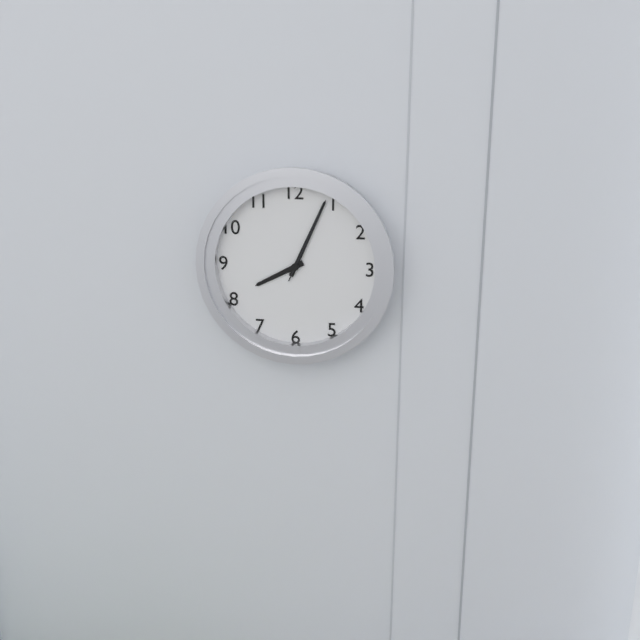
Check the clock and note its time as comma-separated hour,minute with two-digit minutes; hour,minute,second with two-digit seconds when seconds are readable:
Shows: 8,04,04
